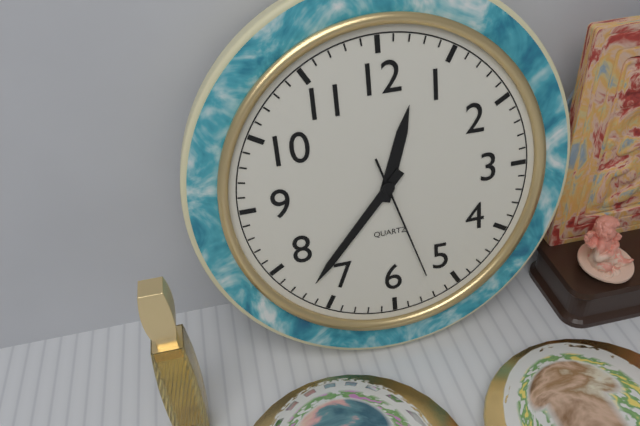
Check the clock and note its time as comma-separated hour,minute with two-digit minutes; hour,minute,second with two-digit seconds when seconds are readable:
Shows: 12,37,27
